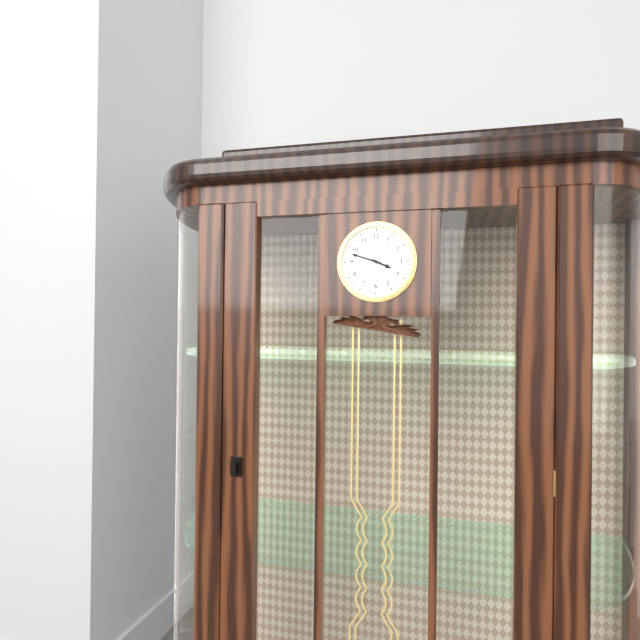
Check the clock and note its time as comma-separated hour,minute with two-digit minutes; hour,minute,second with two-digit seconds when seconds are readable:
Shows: 3,48
